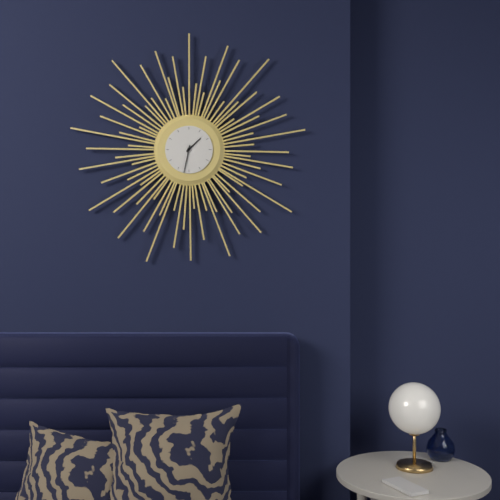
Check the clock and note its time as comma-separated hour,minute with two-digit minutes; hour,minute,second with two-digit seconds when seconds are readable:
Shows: 1,32
